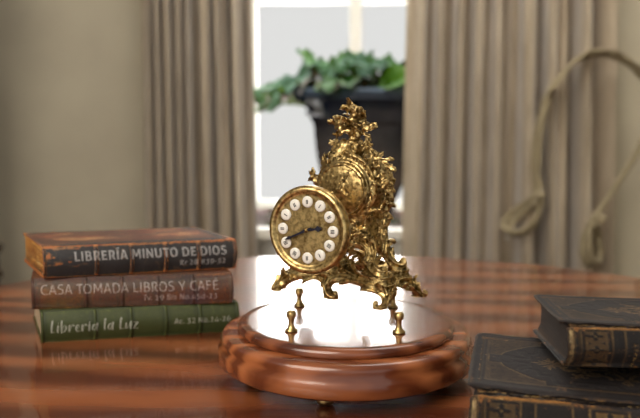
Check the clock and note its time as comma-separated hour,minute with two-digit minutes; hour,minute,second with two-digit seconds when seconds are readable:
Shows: 2,41
